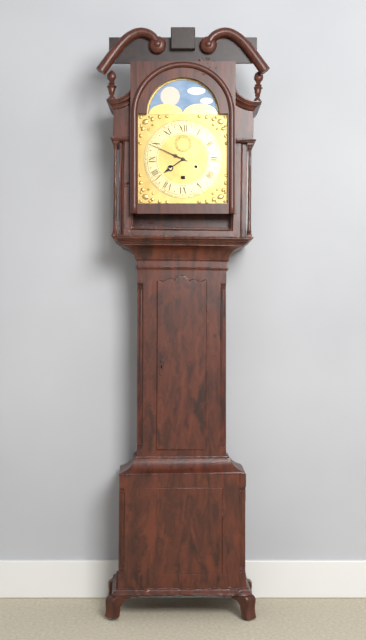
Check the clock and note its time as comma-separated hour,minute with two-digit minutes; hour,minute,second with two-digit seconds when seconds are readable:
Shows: 7,49
